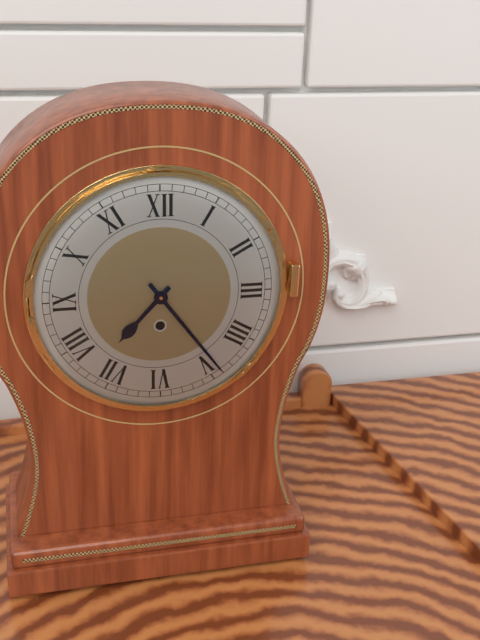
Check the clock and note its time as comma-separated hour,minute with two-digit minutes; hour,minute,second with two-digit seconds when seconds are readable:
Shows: 7,24
